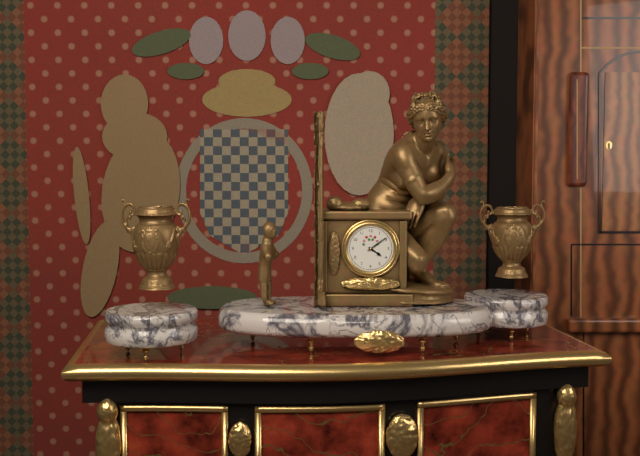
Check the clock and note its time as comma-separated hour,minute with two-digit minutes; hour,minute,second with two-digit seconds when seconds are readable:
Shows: 4,09
